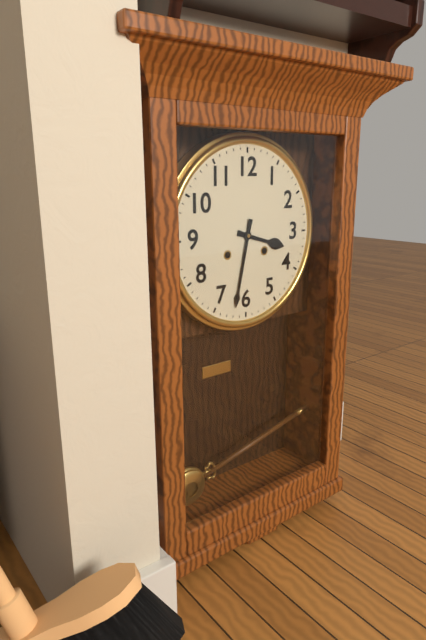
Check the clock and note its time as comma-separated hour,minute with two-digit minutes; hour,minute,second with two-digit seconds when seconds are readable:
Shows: 3,32
